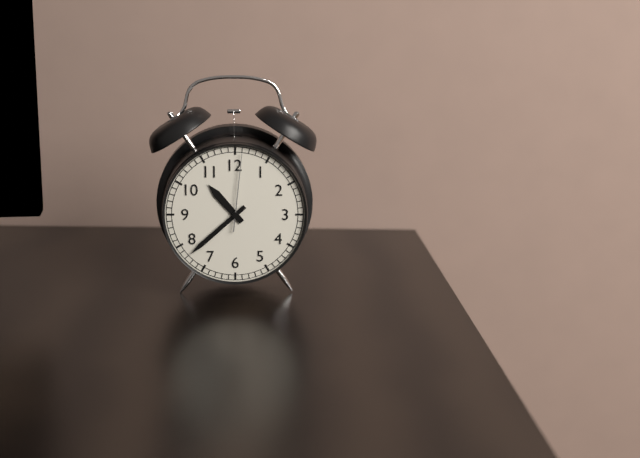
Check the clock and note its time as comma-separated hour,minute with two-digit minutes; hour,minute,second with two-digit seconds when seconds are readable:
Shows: 10,38,01
